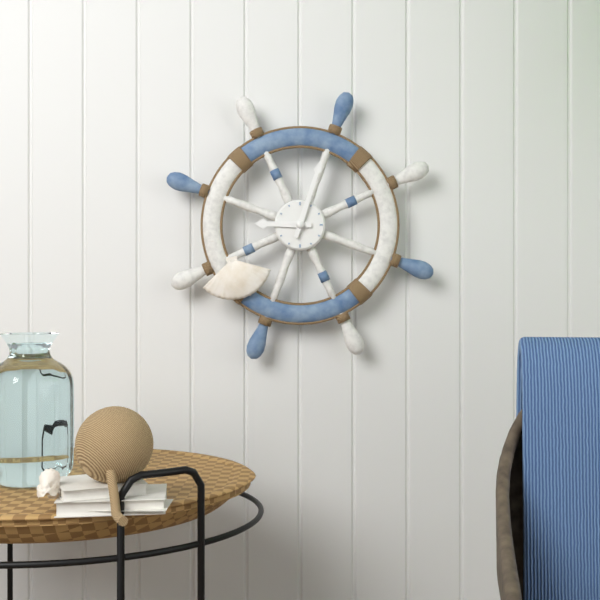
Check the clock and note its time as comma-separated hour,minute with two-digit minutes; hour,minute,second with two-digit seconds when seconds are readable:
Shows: 9,03
